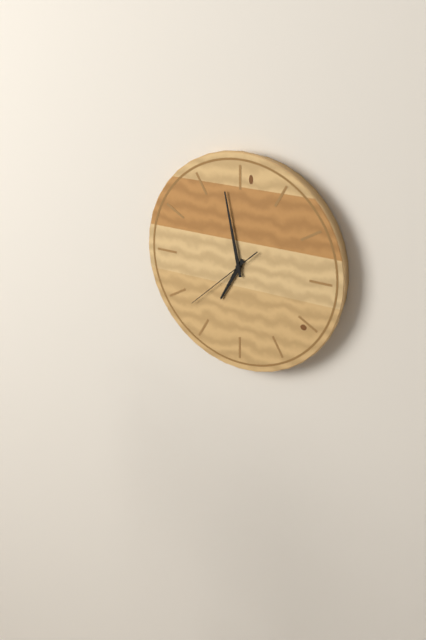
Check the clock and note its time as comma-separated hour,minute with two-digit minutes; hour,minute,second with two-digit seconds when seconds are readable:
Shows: 6,58,38
